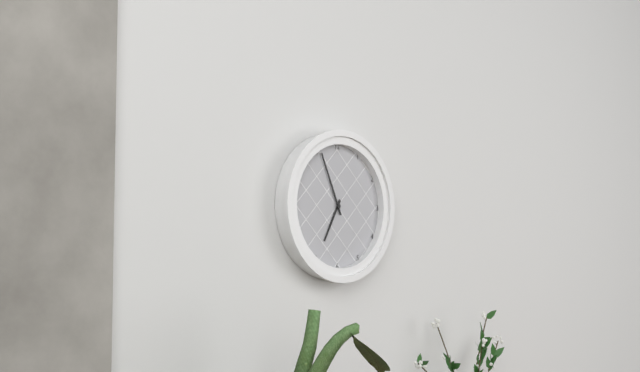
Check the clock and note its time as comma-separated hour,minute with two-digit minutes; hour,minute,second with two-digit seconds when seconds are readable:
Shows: 6,56
